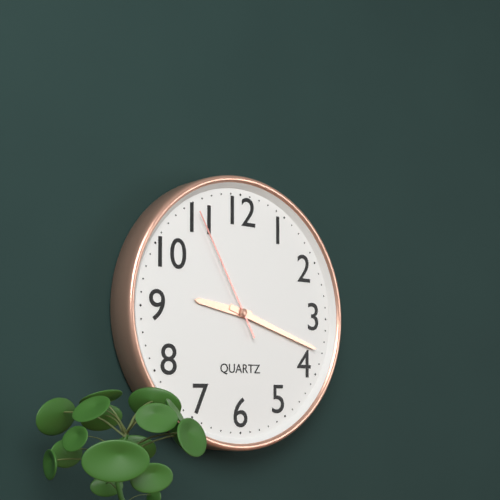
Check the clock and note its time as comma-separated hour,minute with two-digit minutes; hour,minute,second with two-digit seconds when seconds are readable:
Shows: 9,18,55
